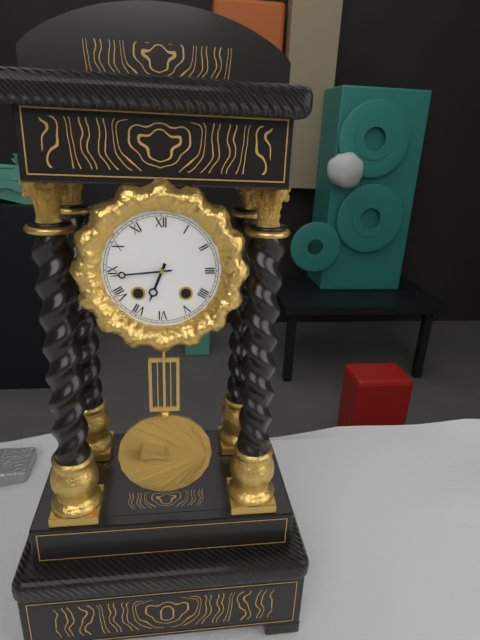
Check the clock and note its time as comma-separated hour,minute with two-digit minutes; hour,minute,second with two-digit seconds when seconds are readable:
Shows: 6,44
